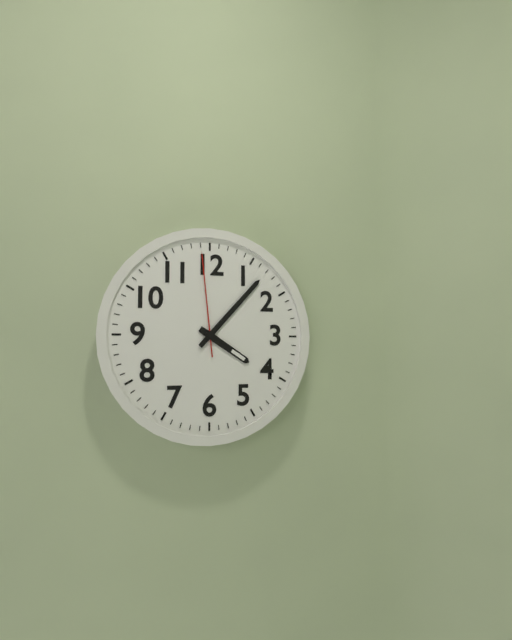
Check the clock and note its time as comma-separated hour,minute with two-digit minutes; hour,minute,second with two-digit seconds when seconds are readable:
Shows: 4,07,59
